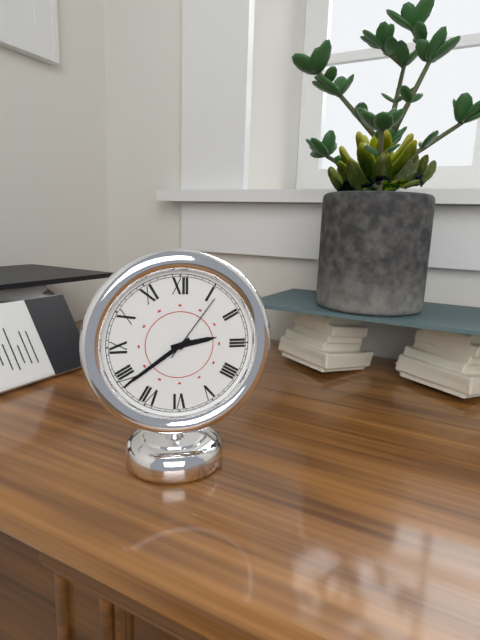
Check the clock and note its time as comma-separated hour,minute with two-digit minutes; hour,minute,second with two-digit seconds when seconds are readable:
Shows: 2,39,06
